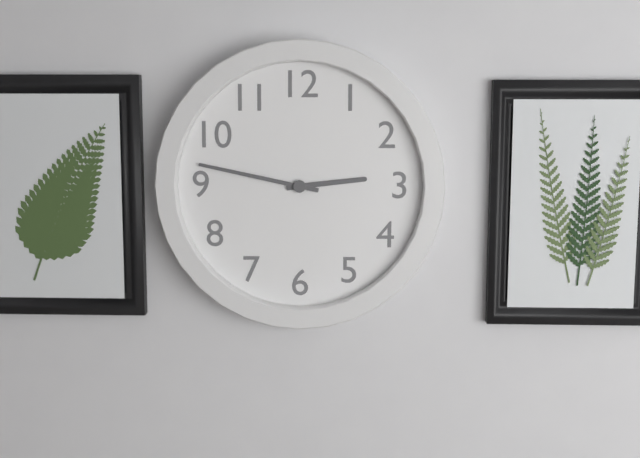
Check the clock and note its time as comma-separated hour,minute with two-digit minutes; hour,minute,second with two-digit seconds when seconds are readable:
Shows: 2,47
